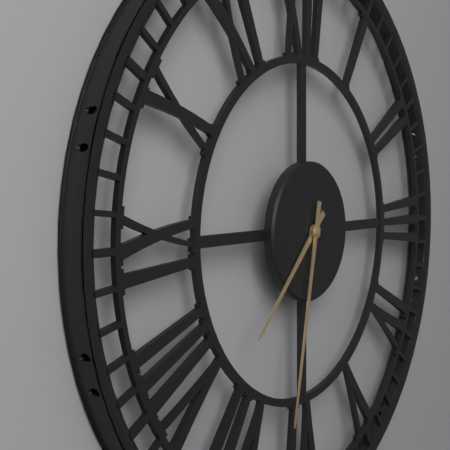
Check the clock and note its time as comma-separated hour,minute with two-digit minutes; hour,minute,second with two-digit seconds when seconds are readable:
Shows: 7,32
